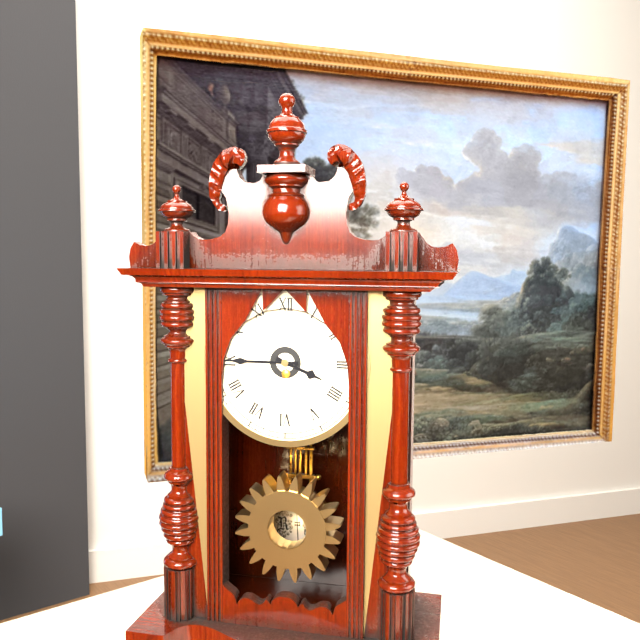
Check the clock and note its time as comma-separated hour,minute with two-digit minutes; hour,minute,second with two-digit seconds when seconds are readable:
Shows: 3,45
